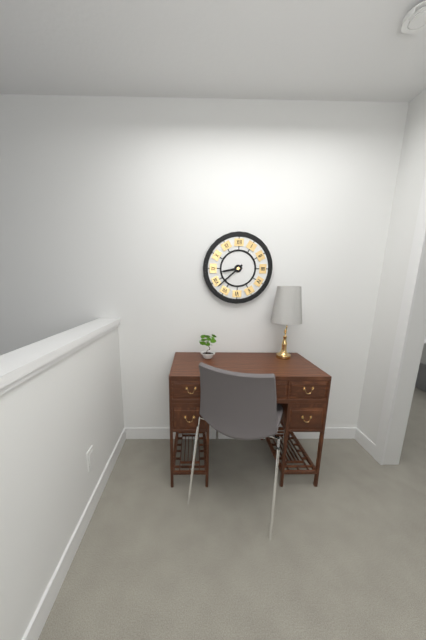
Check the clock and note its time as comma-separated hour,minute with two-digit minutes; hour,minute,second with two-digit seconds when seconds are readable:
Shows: 8,38
